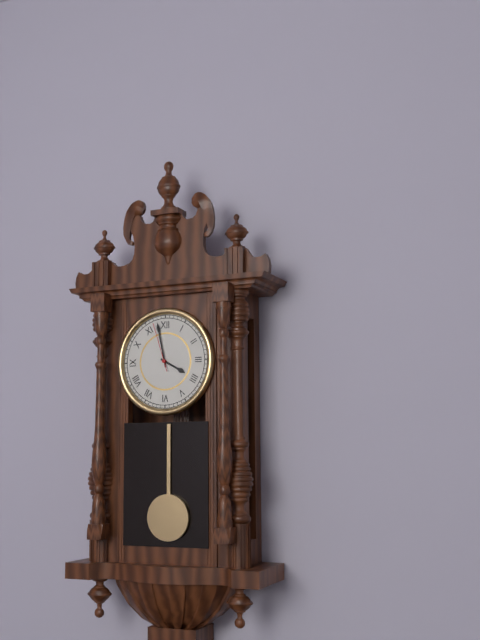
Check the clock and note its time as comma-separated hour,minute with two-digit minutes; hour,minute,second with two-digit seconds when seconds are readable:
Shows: 3,58,57
